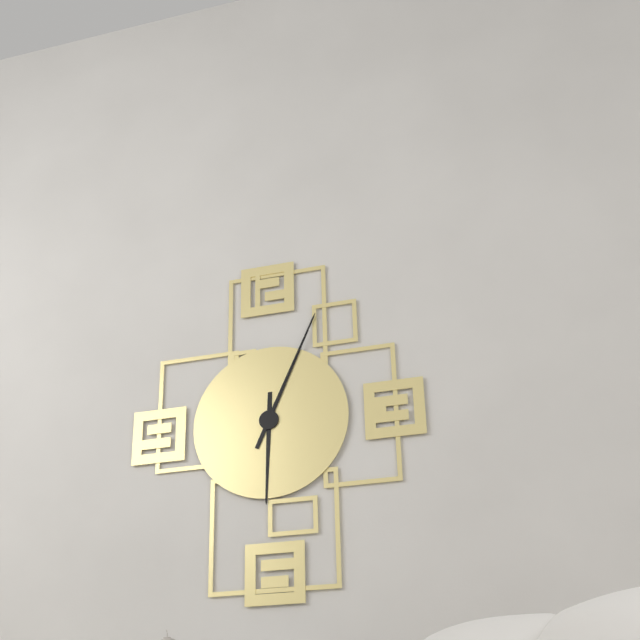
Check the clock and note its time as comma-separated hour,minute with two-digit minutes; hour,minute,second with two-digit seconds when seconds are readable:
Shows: 6,04
